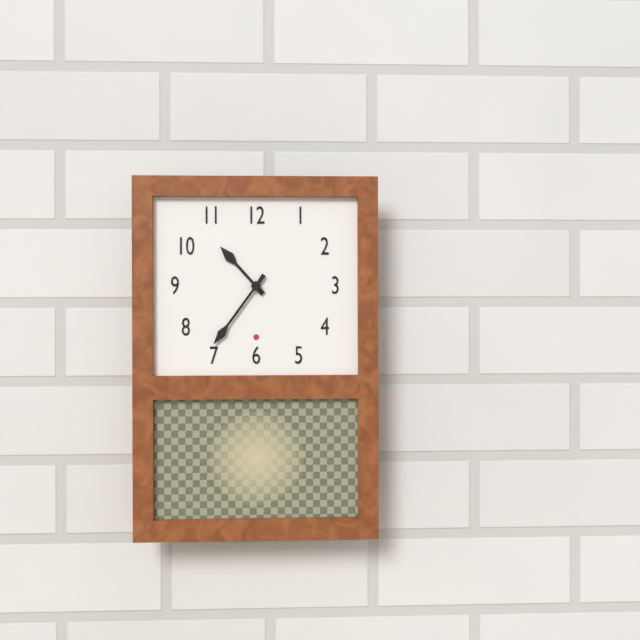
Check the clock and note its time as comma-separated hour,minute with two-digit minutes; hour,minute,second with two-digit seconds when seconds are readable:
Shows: 10,36
